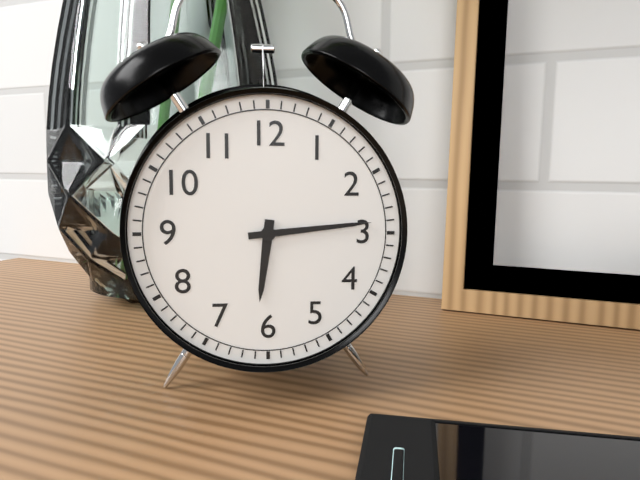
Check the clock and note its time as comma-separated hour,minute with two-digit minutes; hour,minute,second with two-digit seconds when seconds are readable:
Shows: 6,14
